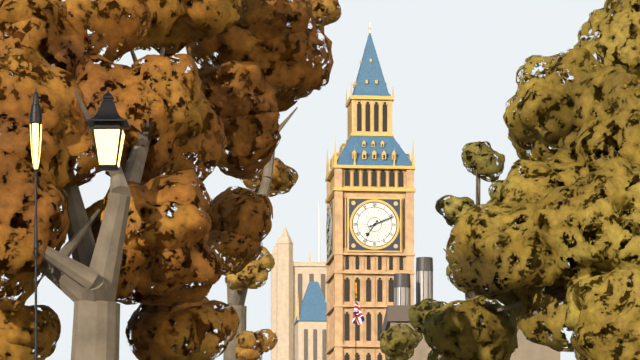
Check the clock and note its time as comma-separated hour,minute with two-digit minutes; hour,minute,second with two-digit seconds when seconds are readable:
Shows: 7,11
